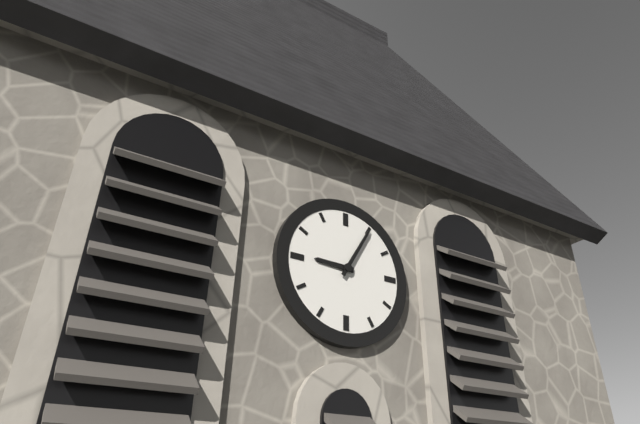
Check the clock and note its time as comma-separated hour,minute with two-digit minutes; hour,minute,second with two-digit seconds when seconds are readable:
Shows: 9,05
